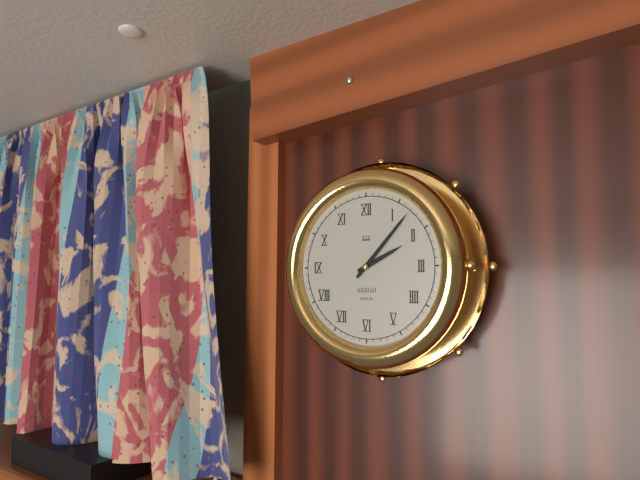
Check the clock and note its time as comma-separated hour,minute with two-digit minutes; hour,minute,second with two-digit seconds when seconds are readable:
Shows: 2,07
